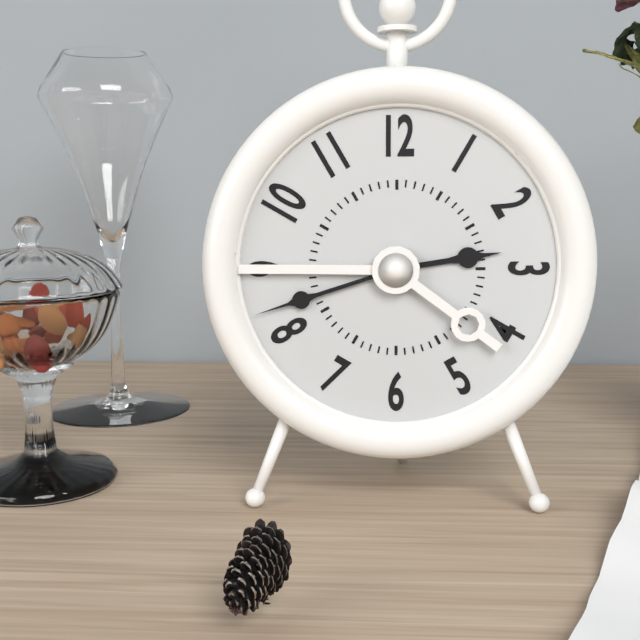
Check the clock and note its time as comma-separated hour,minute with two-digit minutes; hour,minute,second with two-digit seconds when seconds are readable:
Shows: 2,42
